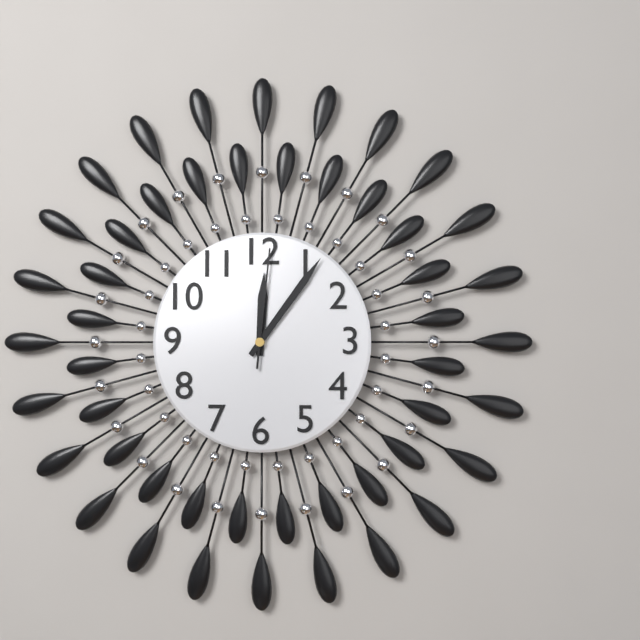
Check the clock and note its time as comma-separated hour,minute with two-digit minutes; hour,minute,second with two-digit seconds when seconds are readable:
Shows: 12,06,01
